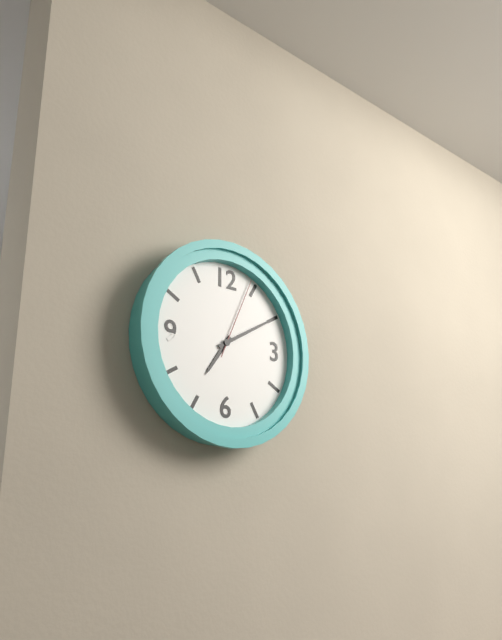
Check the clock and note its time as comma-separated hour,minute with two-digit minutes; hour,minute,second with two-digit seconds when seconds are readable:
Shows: 7,10,04
